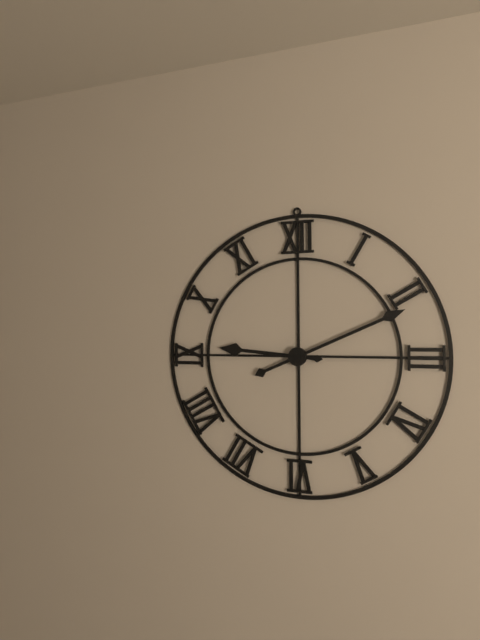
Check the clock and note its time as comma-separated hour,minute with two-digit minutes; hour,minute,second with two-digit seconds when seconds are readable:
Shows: 9,11
